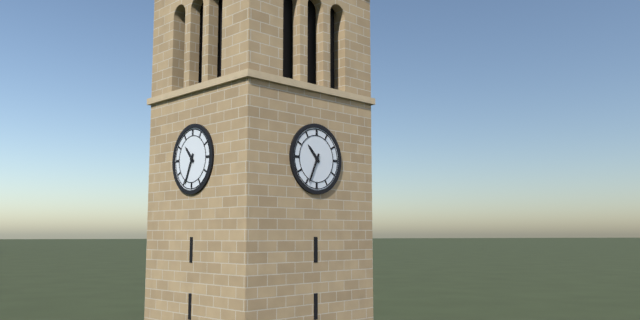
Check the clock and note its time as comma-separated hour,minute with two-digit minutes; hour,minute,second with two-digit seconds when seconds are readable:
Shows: 10,34
